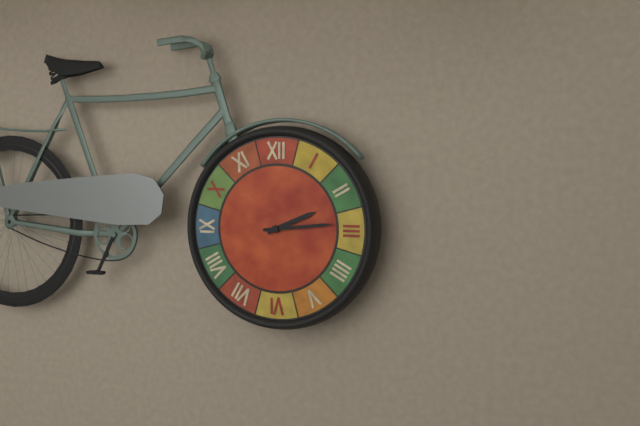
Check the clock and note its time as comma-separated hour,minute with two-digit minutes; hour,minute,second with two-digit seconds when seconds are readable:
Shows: 2,14
